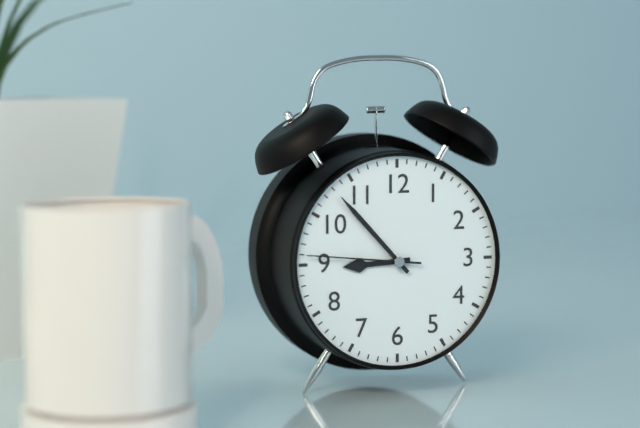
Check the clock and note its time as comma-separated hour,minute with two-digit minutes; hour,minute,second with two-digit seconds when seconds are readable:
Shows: 8,53,46
